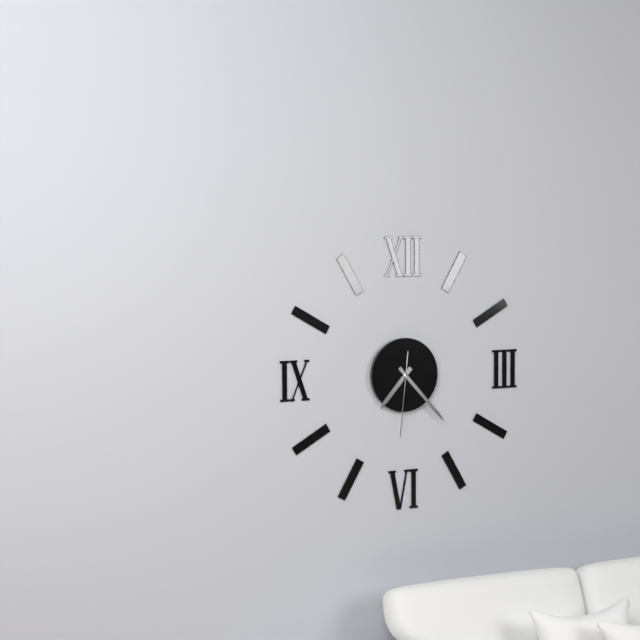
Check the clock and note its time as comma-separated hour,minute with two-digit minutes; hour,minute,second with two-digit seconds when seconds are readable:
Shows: 7,23,31
